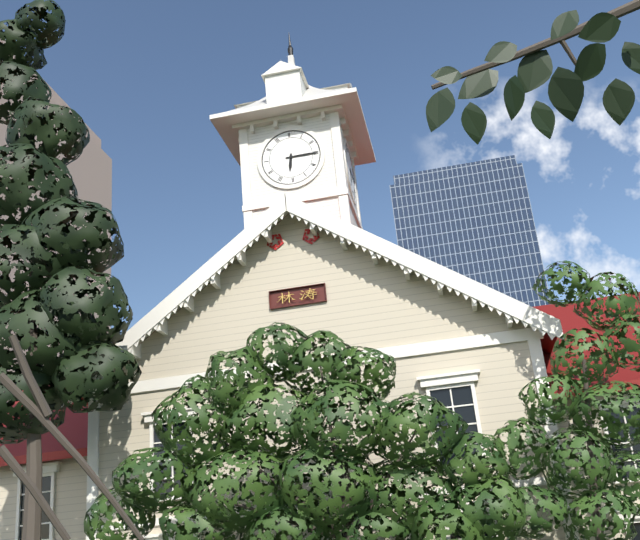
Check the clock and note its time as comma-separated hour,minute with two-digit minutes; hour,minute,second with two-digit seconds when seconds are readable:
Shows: 6,15
